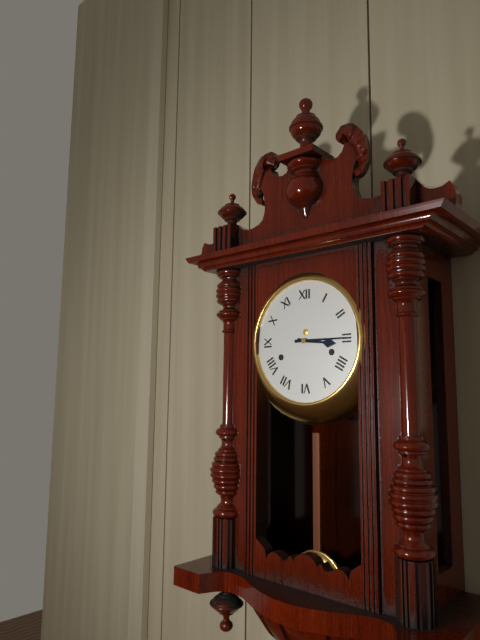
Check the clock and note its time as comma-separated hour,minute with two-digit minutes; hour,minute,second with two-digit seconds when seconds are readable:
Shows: 3,15
